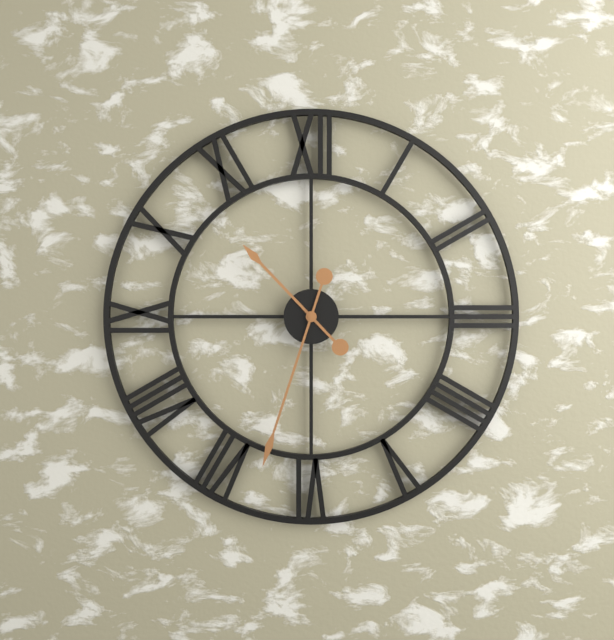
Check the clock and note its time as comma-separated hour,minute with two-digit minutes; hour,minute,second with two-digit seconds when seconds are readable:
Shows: 10,33
